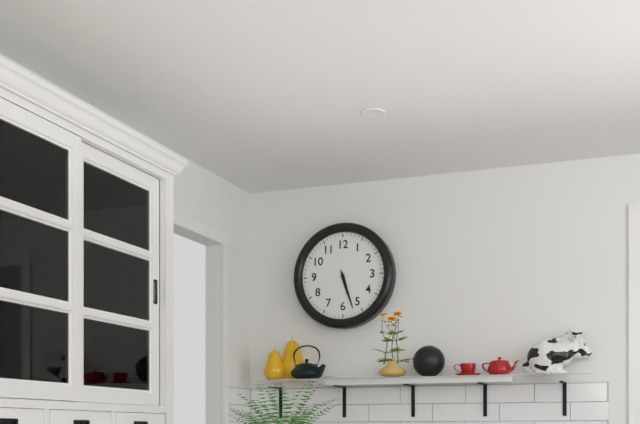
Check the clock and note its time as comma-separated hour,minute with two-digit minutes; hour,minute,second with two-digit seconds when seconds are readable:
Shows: 5,27
